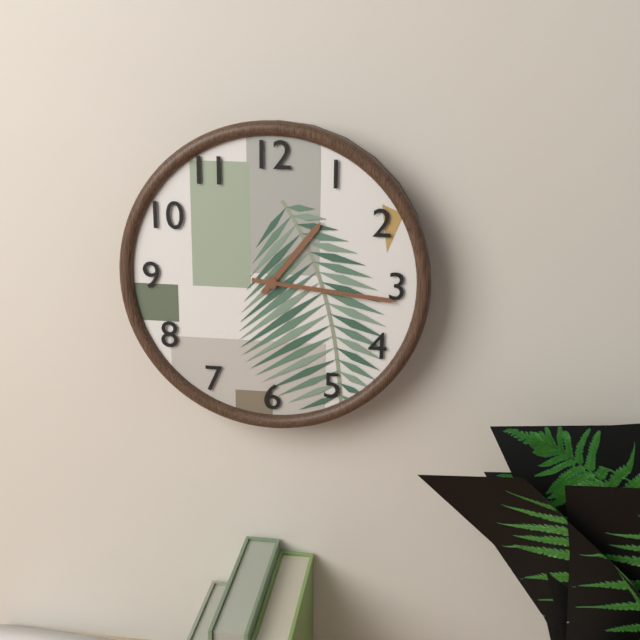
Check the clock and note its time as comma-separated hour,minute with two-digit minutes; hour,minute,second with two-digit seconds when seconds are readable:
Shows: 1,16
